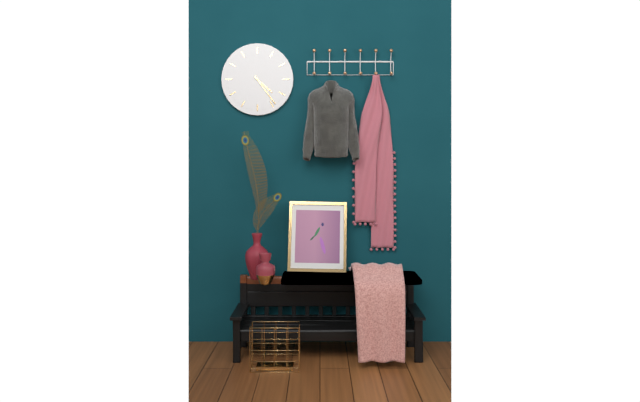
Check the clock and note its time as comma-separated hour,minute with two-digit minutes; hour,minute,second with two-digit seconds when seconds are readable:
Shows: 4,24
